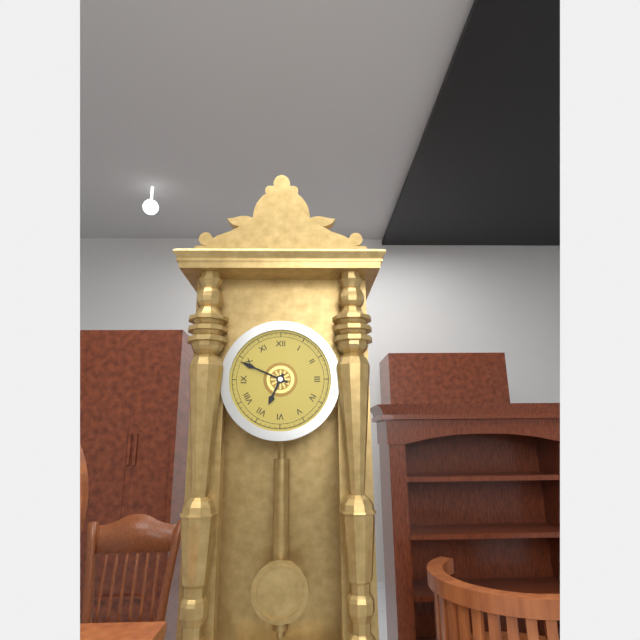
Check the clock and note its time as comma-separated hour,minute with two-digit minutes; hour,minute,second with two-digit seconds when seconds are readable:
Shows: 6,49
